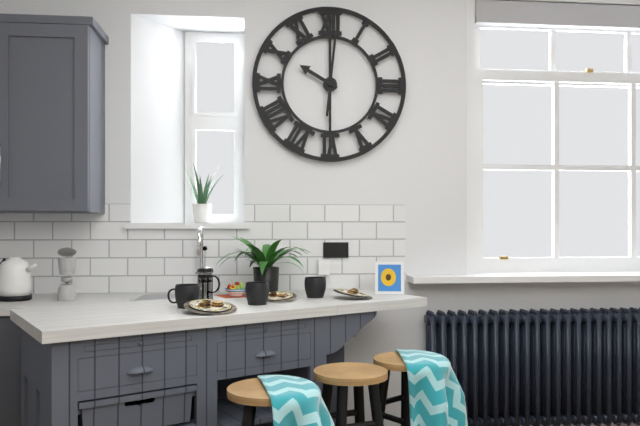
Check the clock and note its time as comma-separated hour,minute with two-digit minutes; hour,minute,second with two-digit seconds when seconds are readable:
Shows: 10,01
